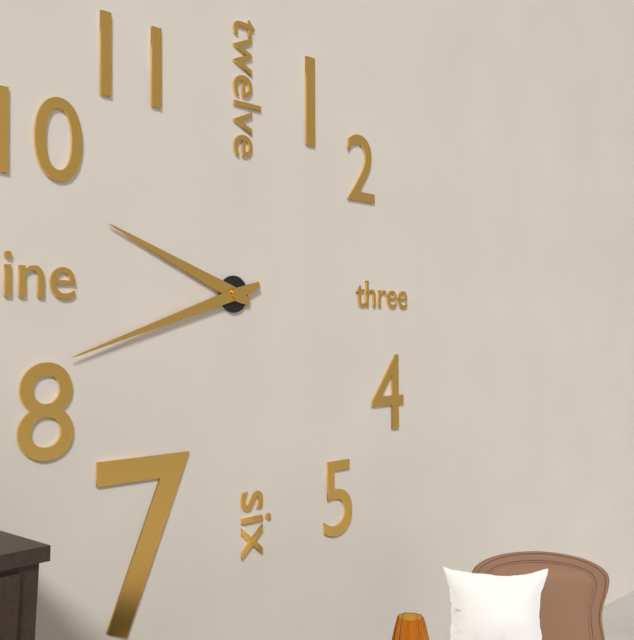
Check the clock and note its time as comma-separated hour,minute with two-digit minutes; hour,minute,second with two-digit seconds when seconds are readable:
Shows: 9,42
